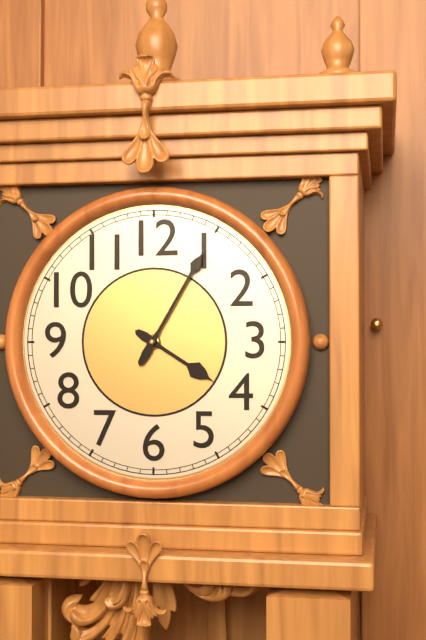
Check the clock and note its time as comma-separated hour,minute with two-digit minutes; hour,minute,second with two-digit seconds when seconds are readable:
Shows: 4,05
